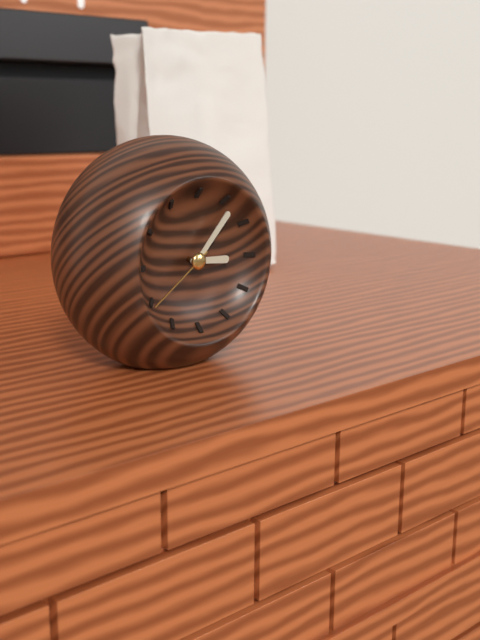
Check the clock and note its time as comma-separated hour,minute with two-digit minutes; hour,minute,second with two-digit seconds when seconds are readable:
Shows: 3,07,39
